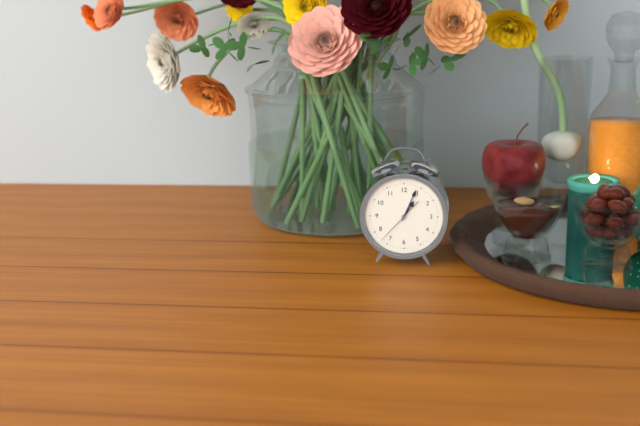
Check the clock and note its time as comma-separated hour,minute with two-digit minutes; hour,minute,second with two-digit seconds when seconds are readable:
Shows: 1,04
